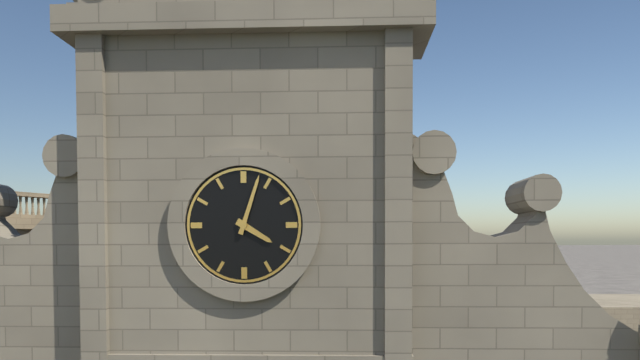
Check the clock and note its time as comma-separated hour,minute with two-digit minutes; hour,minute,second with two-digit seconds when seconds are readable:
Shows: 4,03
